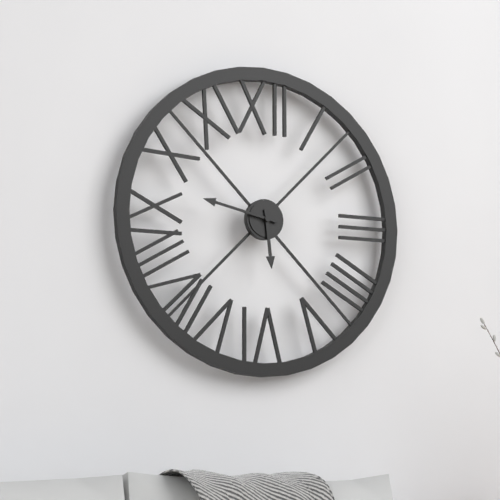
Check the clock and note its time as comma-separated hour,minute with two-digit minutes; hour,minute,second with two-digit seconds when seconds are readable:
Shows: 5,47
